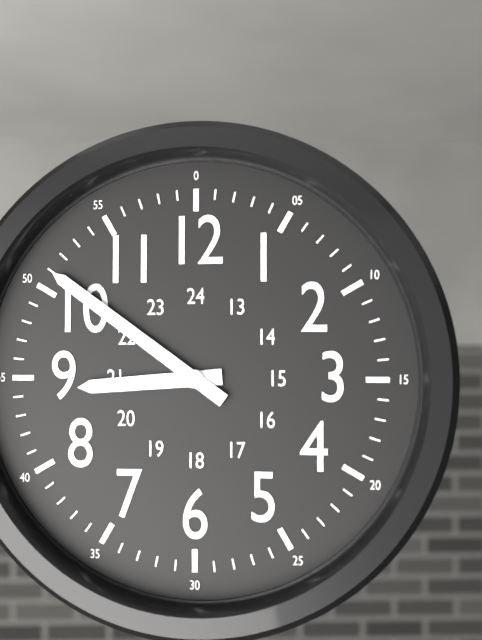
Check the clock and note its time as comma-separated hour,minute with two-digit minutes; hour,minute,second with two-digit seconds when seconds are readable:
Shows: 8,51
